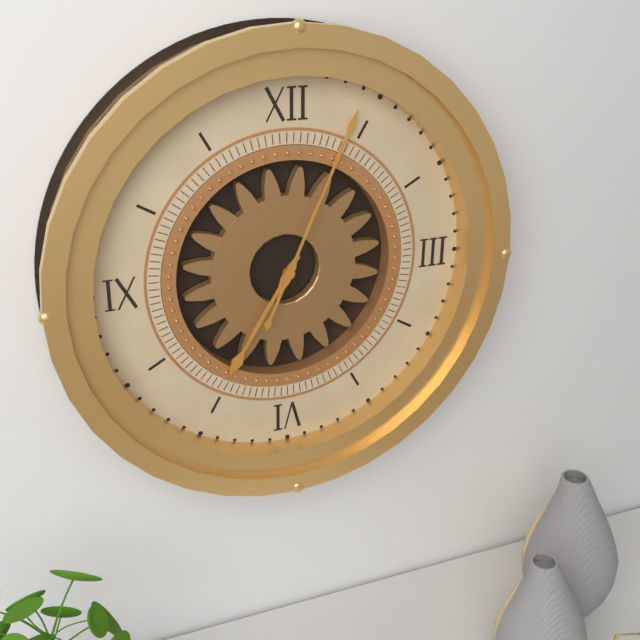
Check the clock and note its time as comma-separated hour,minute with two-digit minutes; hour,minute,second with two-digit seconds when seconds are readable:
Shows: 7,04
